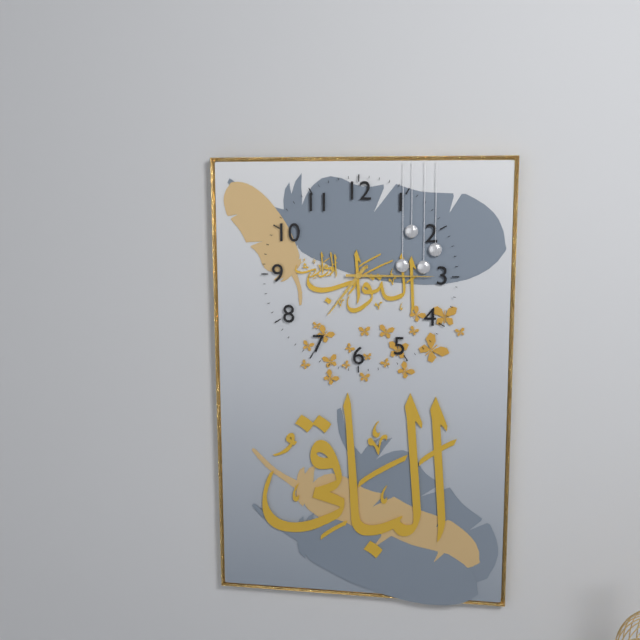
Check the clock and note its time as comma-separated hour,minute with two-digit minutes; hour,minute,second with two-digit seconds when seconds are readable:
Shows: 7,15
